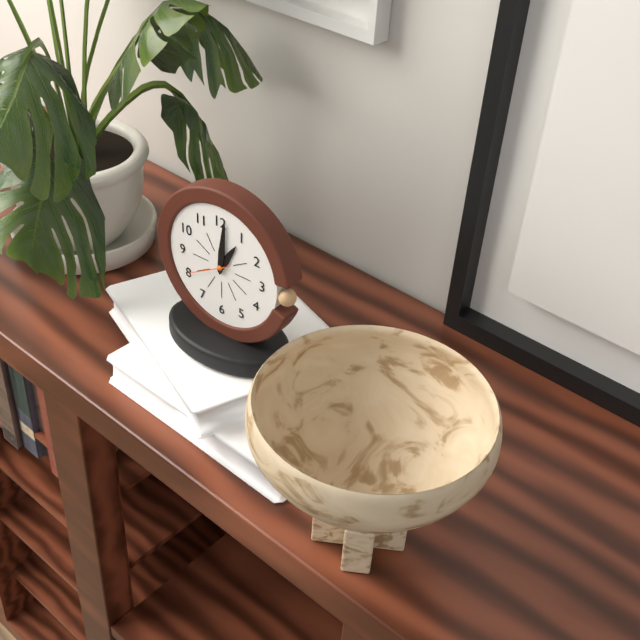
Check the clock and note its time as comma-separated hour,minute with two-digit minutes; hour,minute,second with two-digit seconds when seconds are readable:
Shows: 1,01,40
